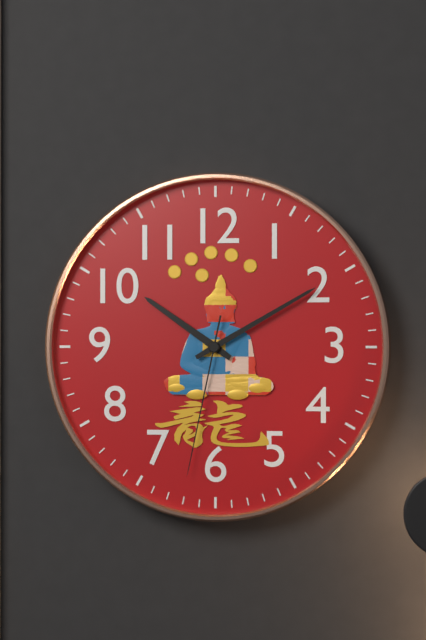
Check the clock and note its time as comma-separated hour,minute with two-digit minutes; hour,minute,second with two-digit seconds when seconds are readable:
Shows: 10,10,32
